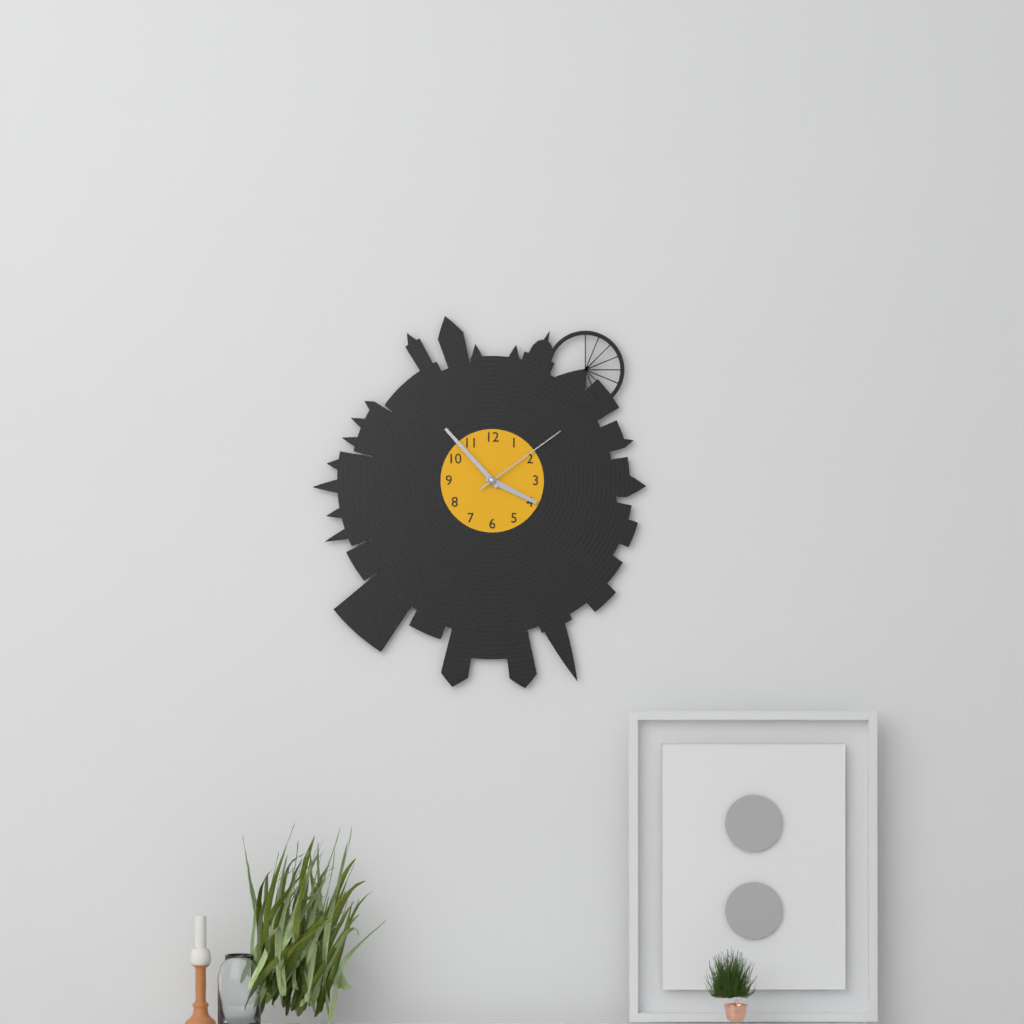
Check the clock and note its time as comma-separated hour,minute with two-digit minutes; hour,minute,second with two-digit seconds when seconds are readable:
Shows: 3,53,09
